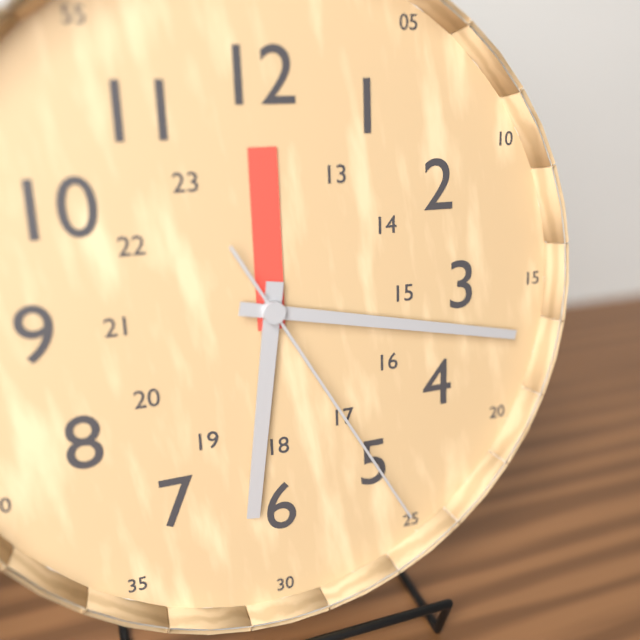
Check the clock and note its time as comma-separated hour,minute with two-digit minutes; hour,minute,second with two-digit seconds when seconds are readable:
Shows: 6,17,25
